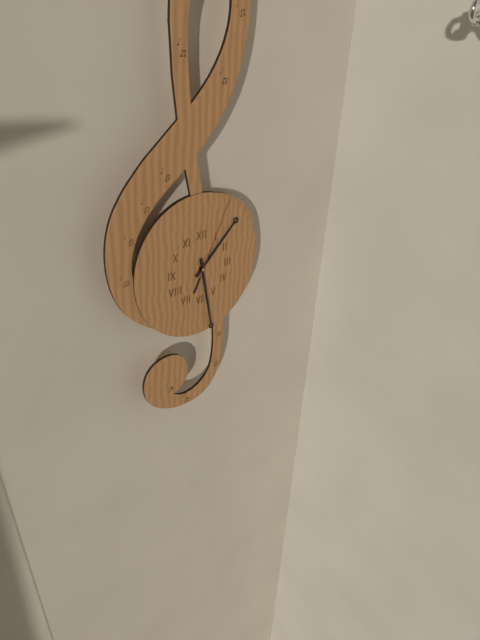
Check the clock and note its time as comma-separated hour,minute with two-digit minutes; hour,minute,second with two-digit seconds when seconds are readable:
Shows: 1,28,04
